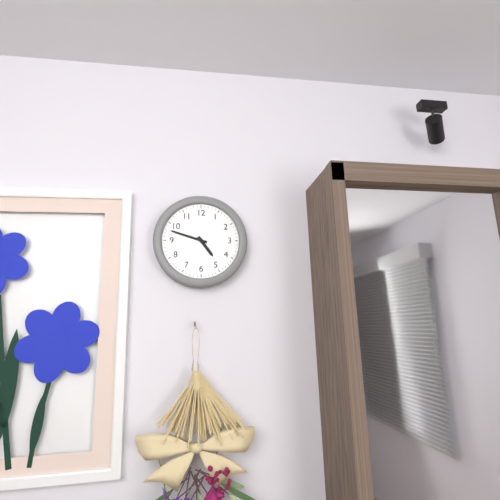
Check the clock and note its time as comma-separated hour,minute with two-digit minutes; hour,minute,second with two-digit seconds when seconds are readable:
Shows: 4,48
